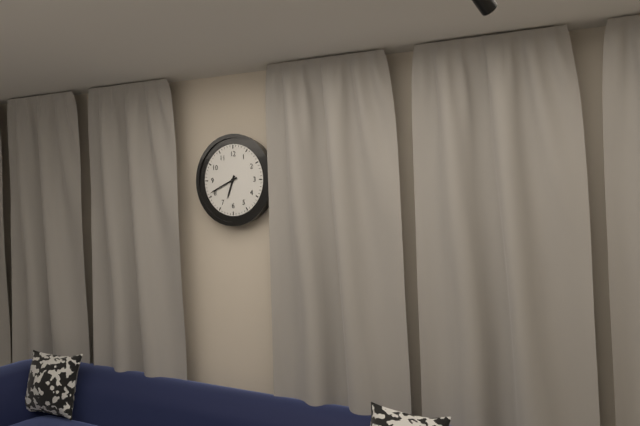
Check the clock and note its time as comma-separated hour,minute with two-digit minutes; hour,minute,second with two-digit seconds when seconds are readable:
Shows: 6,41
